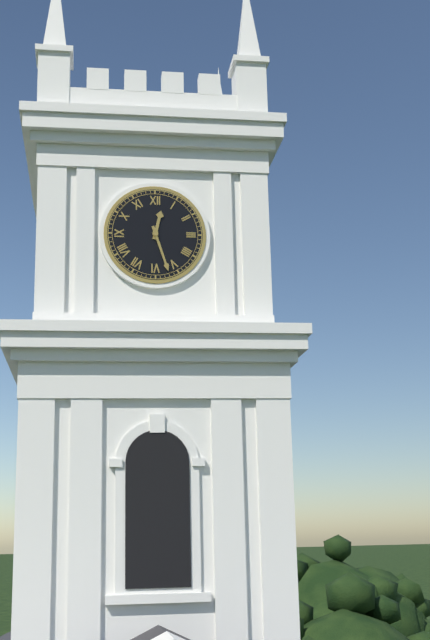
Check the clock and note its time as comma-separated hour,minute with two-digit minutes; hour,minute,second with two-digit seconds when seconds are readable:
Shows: 12,27
